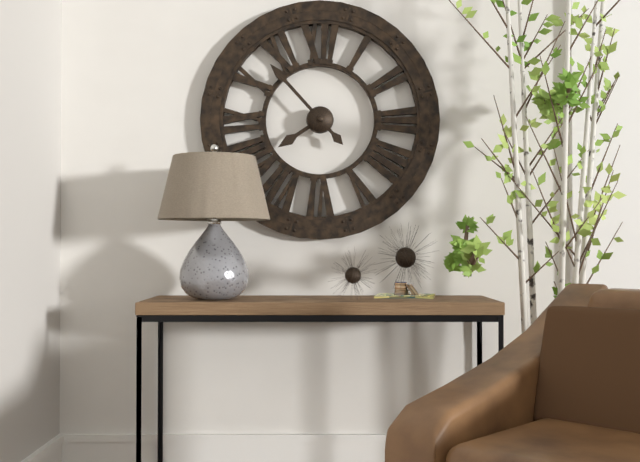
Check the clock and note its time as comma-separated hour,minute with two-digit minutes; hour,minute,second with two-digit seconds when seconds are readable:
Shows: 7,53
